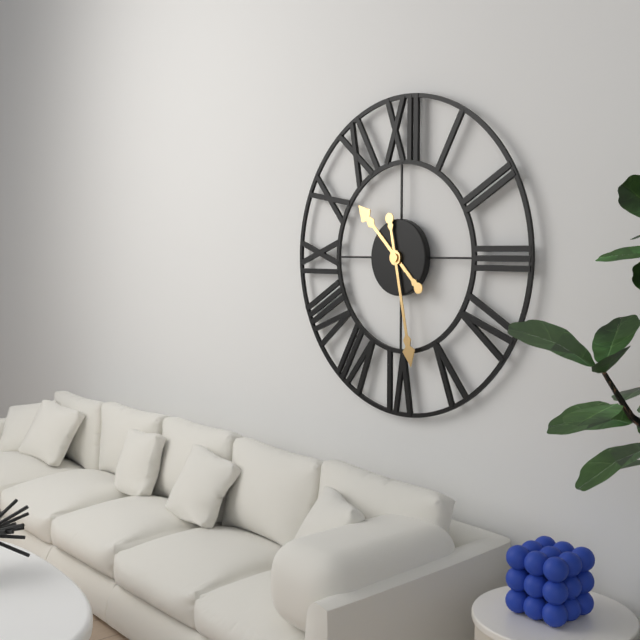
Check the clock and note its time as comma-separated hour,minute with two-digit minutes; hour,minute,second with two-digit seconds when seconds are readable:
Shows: 10,28
